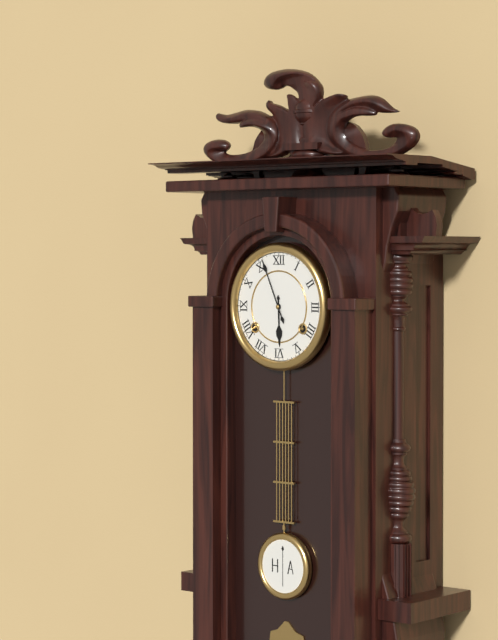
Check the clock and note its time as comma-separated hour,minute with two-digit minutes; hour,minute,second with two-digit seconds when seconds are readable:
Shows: 5,56
